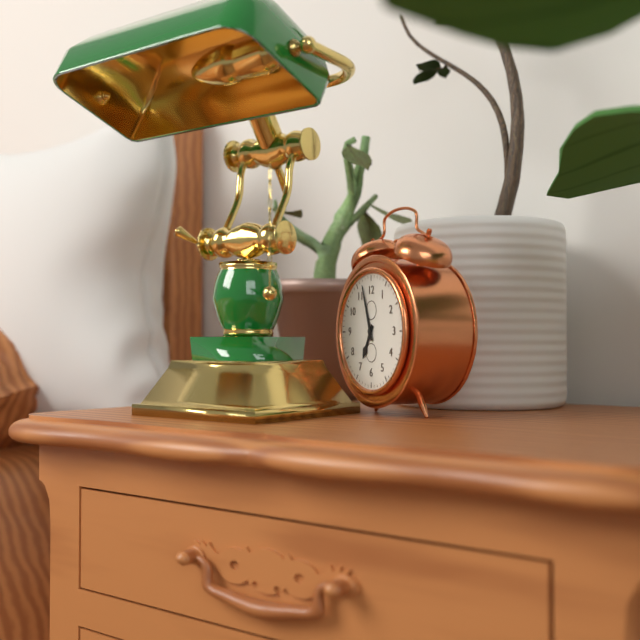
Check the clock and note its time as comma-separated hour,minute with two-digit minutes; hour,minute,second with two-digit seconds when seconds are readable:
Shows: 6,57
